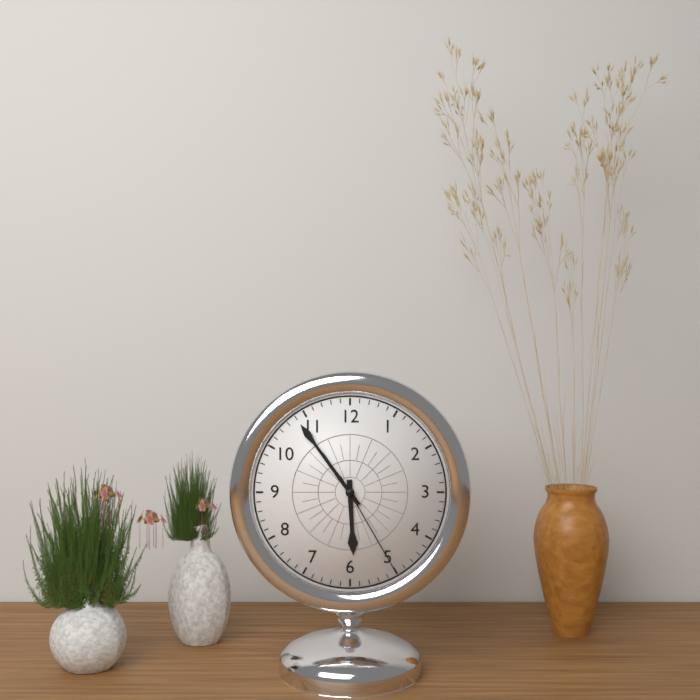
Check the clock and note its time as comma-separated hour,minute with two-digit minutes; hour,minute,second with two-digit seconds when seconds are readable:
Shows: 5,54,25
